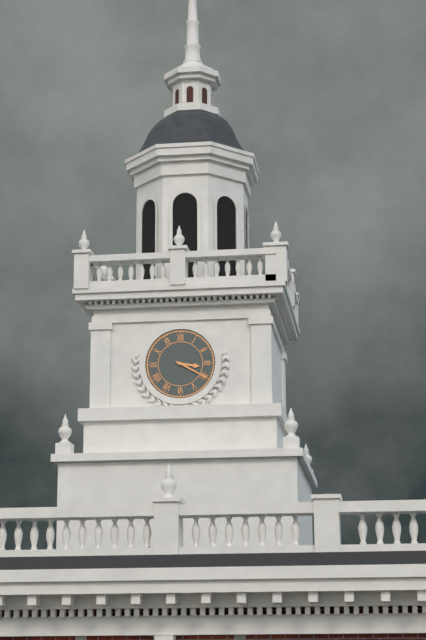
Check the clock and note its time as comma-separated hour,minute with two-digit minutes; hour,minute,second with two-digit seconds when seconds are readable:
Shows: 3,20
